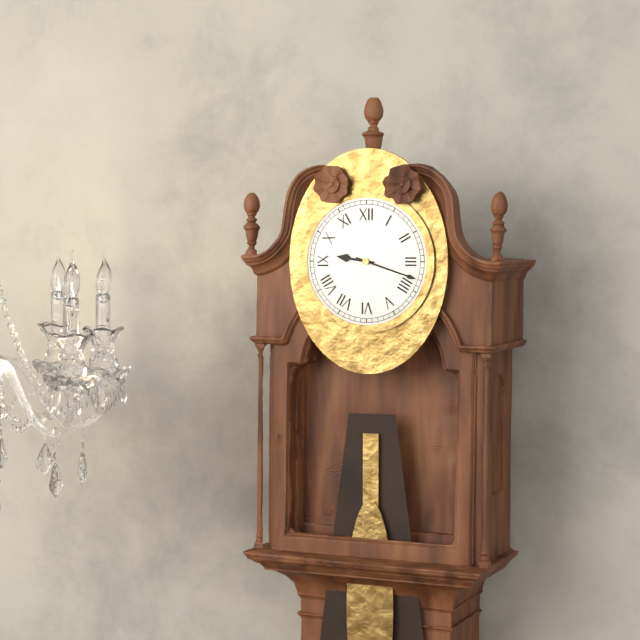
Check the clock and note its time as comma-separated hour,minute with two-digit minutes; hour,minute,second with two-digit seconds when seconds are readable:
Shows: 9,18
